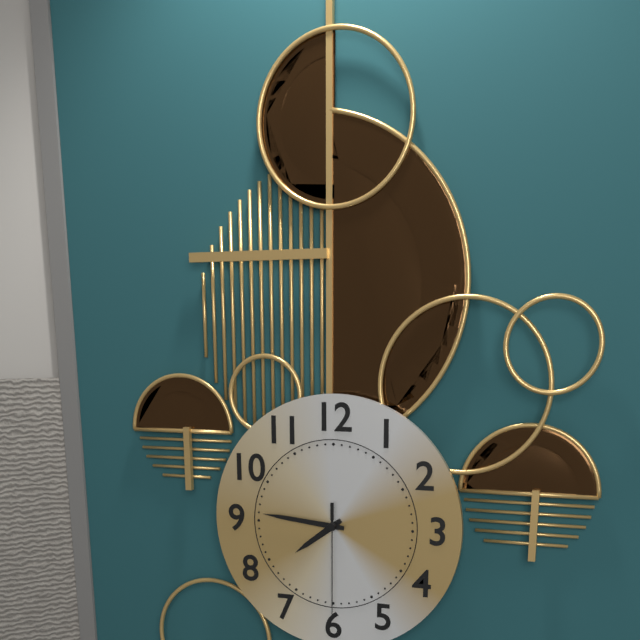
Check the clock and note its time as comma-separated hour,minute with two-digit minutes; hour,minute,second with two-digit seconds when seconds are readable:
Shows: 7,46,30
